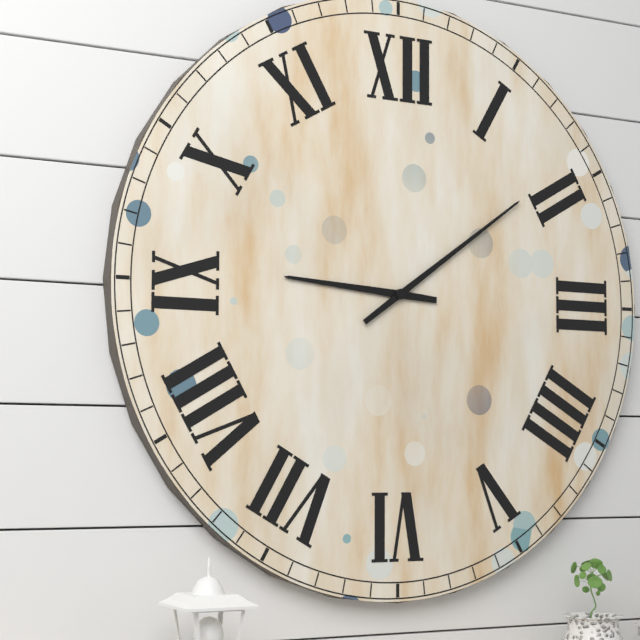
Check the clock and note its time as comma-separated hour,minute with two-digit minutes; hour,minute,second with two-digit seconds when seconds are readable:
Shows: 9,09
